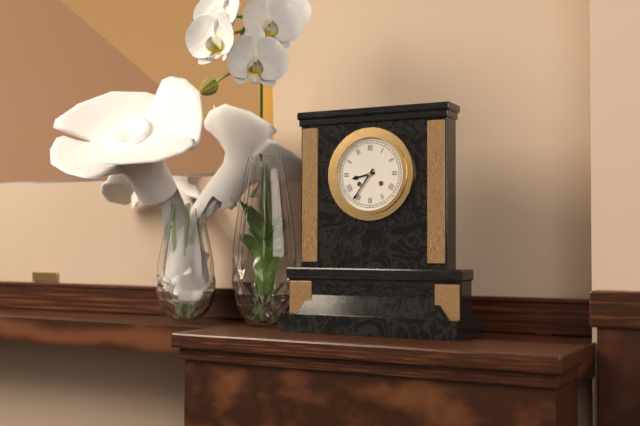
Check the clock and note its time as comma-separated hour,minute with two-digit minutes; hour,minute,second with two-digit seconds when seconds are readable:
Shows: 8,36
